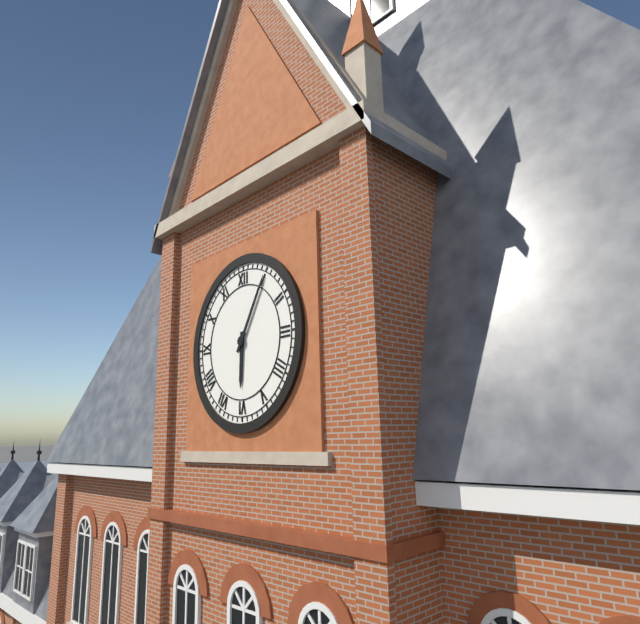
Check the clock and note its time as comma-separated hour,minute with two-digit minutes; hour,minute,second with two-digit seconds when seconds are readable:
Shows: 6,05
